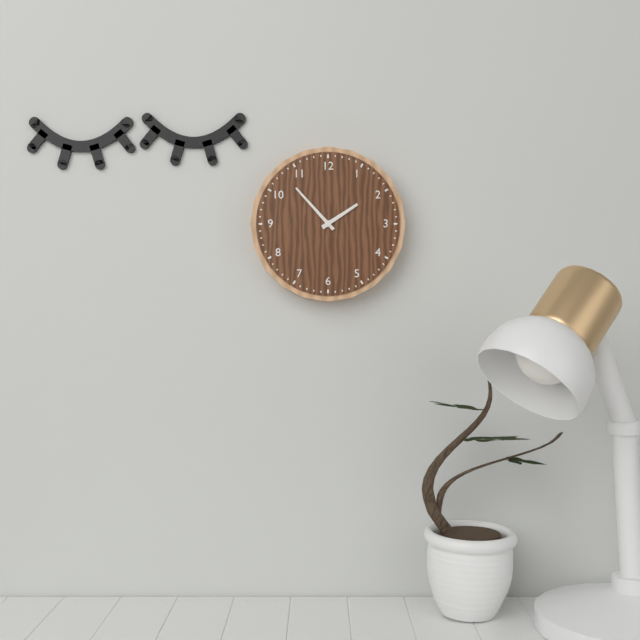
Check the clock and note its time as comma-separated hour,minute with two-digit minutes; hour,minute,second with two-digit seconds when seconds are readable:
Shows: 1,53
